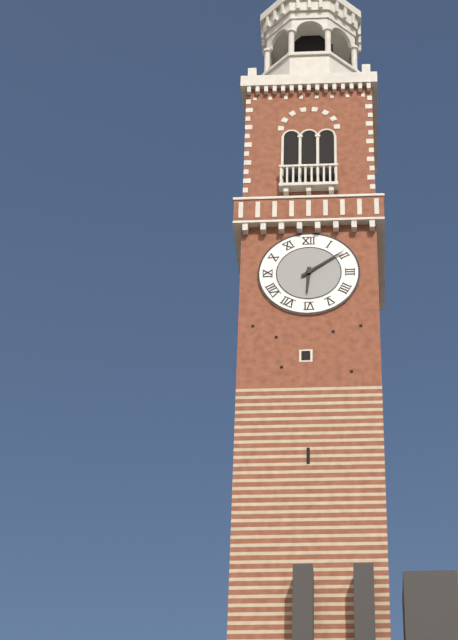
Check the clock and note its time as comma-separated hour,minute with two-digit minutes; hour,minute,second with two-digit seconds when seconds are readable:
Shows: 6,09
